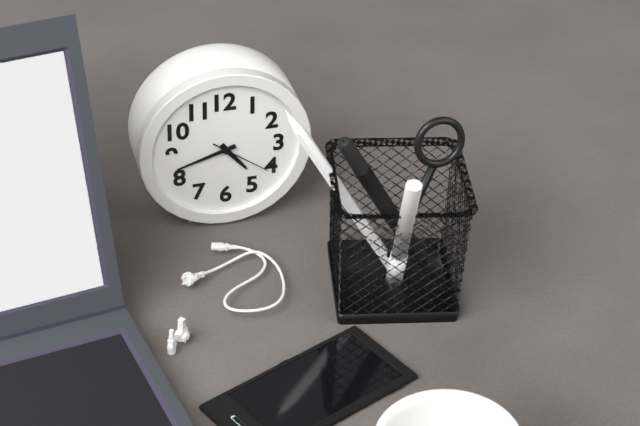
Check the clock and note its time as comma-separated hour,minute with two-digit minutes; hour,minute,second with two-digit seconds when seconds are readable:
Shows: 4,42,21
